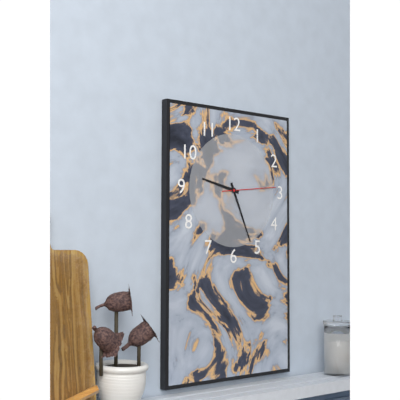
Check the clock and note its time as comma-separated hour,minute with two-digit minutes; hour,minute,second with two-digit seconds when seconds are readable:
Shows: 9,26,14
